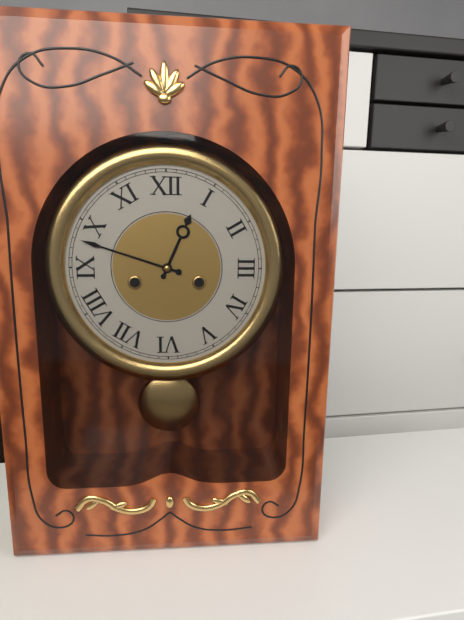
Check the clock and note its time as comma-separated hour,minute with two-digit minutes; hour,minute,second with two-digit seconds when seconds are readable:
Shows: 12,48
